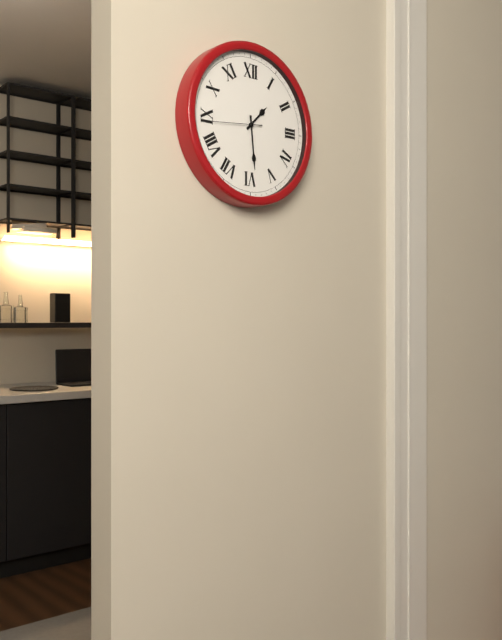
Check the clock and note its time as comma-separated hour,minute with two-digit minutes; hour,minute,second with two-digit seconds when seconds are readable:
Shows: 1,29
